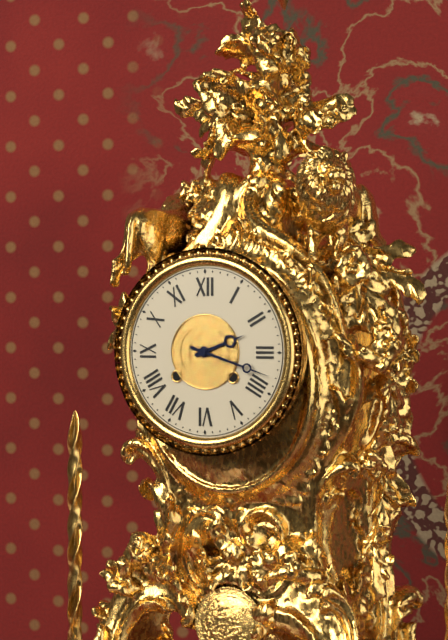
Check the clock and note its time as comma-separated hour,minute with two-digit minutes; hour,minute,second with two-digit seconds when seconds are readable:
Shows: 2,18
